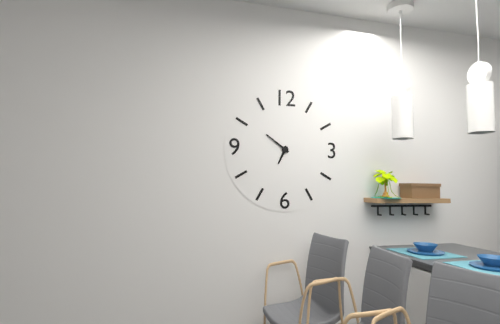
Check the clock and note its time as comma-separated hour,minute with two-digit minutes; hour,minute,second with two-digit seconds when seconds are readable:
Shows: 6,51
